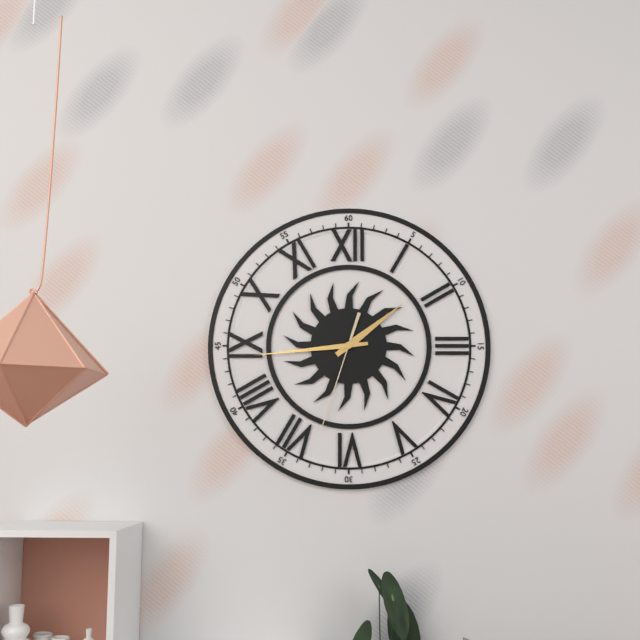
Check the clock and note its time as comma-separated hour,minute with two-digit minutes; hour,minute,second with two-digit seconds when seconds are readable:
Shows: 1,44,33
